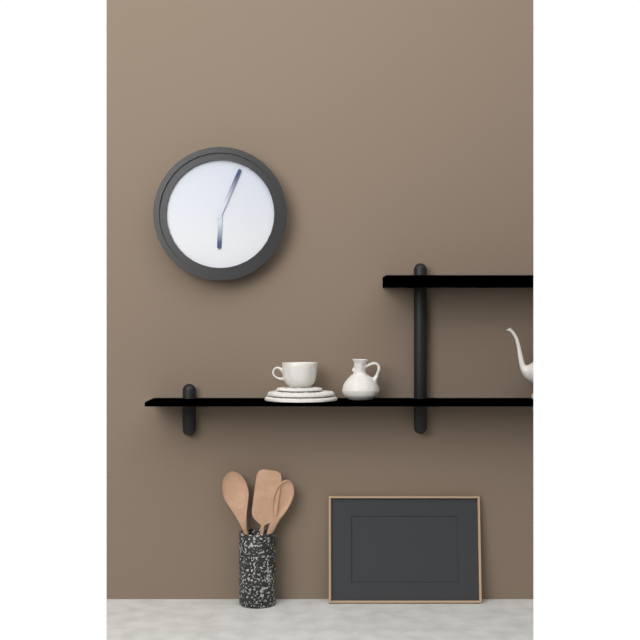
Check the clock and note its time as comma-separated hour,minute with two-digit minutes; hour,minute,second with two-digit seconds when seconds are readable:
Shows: 6,04
